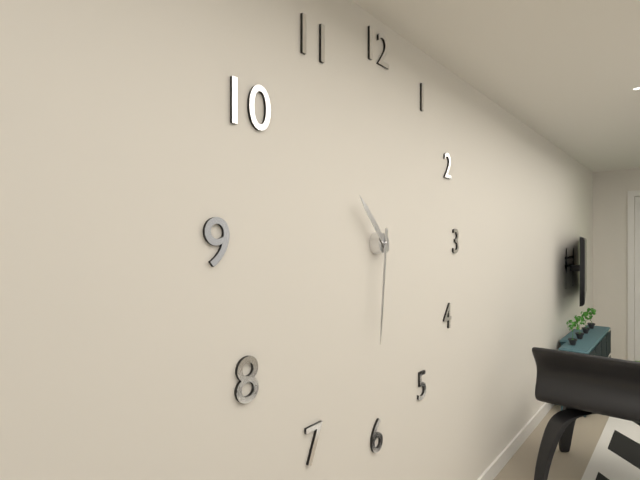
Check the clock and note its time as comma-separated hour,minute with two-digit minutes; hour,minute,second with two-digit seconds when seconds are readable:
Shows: 10,31
